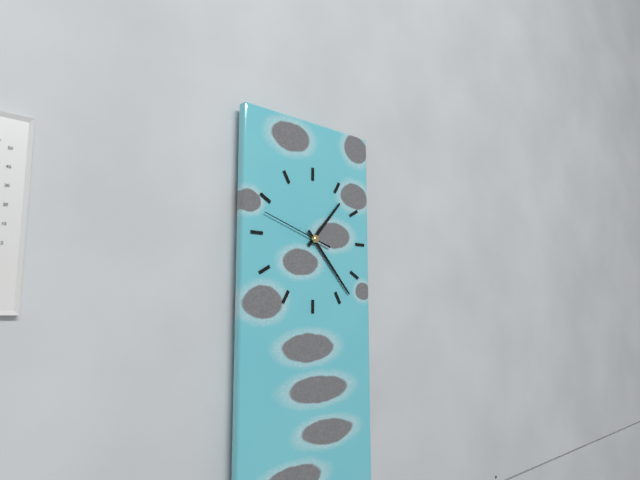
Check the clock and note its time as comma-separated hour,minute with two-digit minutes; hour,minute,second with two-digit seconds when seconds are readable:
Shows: 1,23,48
